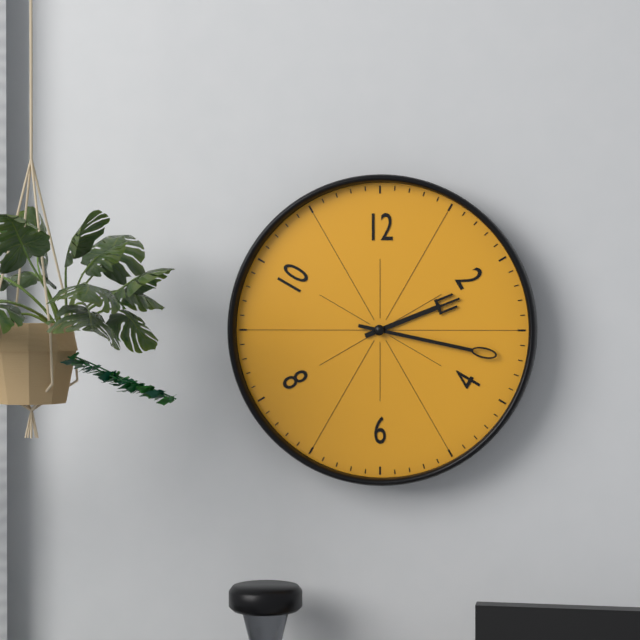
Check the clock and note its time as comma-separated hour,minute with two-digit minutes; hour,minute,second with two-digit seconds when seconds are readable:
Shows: 2,17
